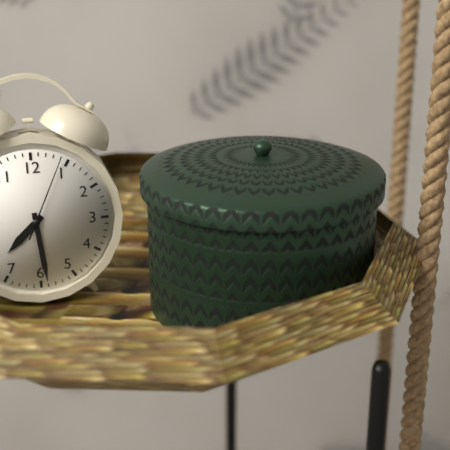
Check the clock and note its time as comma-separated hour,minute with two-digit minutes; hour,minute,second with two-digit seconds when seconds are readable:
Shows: 7,29,04
